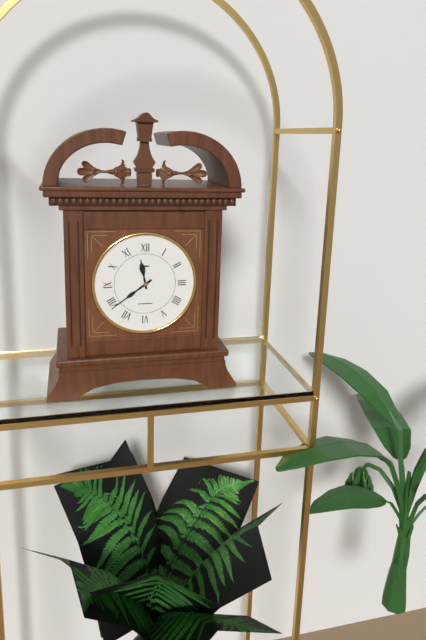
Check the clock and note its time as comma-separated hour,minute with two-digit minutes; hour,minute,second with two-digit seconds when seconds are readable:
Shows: 11,39
